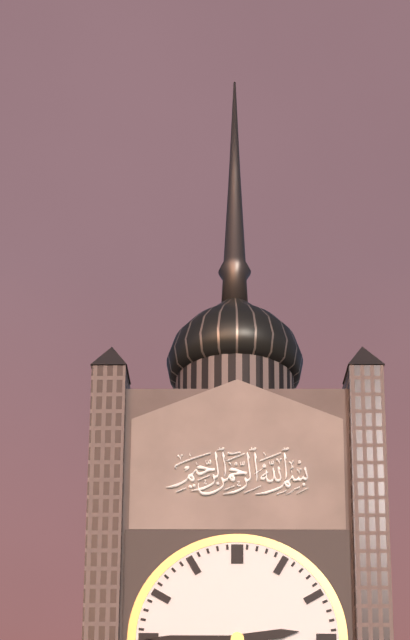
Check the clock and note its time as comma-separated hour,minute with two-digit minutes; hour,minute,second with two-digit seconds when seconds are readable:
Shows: 2,45
